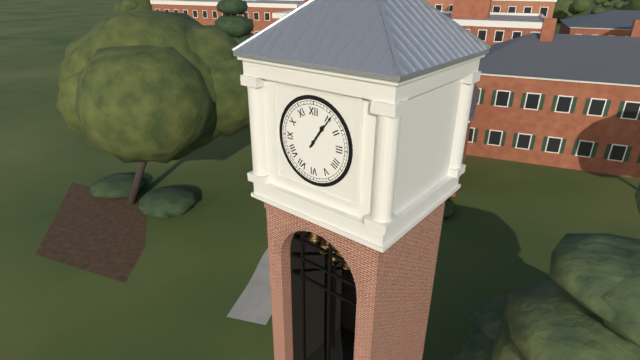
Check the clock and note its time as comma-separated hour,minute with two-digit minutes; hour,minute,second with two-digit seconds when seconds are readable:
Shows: 1,06
